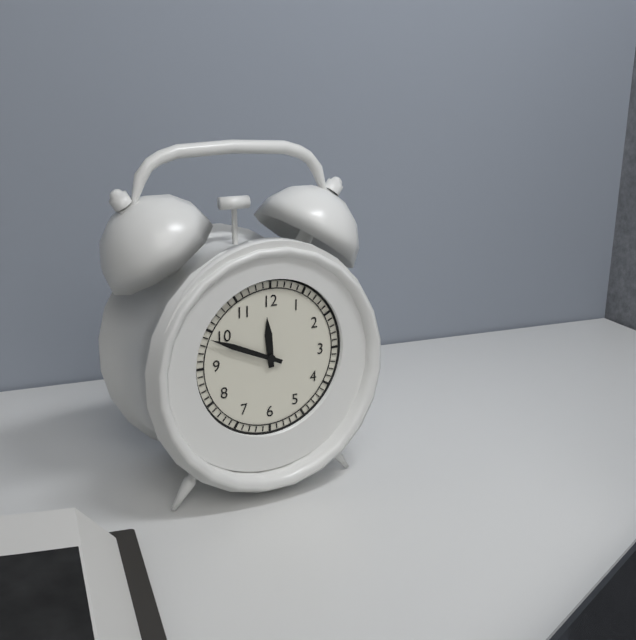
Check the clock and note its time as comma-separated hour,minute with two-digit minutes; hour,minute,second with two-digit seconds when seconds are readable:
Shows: 11,49
